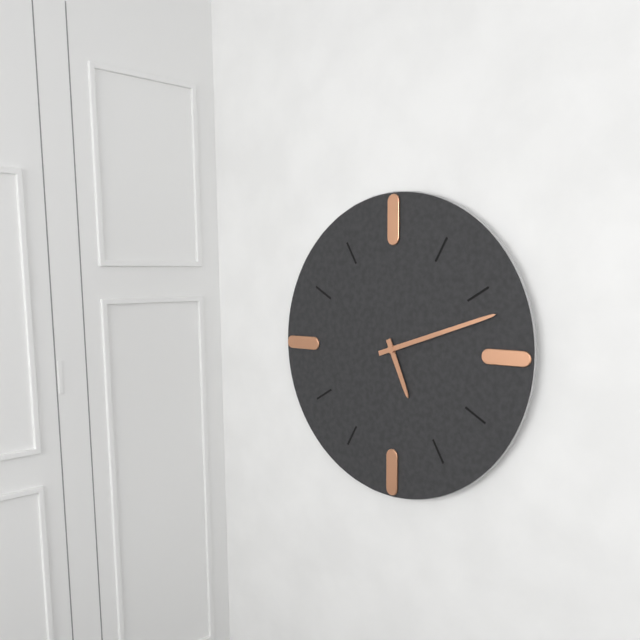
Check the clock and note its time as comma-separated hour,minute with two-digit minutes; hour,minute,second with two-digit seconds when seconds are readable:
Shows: 5,12
